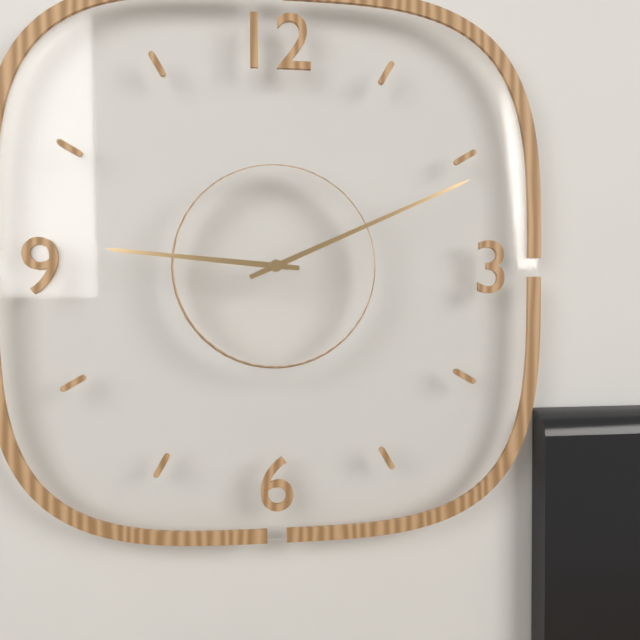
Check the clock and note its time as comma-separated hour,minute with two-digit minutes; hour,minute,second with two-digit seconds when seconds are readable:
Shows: 9,11
